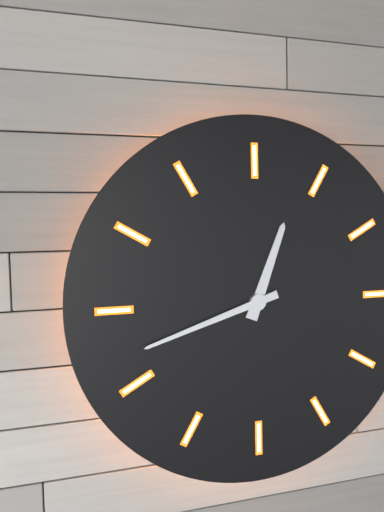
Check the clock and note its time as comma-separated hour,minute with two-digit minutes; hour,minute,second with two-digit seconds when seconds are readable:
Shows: 12,42
